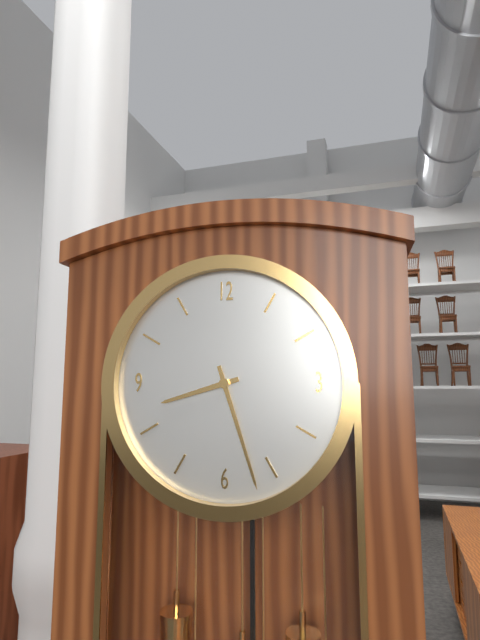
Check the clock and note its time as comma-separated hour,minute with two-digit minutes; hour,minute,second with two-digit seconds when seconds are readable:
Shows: 8,27
